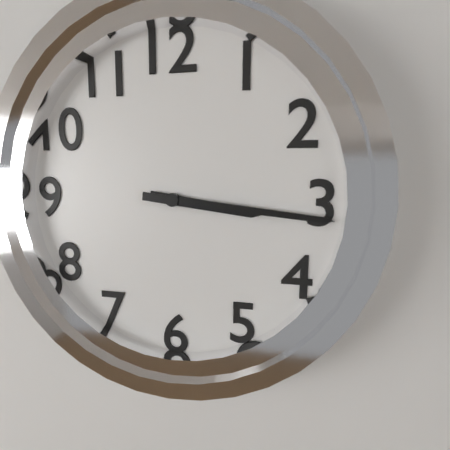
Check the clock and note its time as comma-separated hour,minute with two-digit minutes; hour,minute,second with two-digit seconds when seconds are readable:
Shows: 3,16
